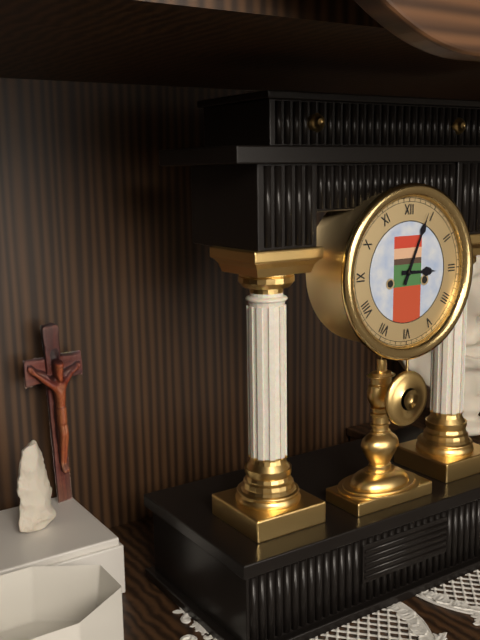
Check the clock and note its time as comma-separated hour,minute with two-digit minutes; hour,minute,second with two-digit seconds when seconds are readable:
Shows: 3,04
